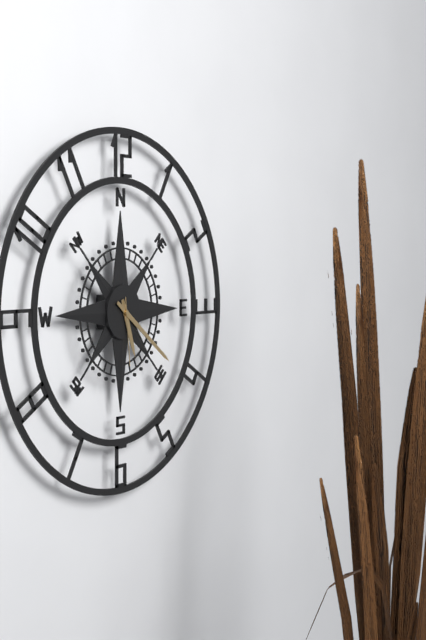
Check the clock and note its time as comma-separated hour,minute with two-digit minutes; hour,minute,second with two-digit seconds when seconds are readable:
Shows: 5,21,29
